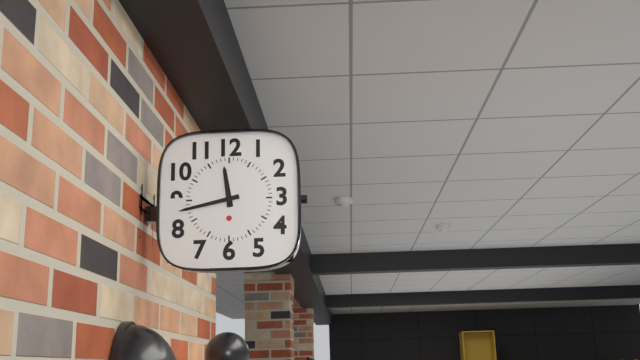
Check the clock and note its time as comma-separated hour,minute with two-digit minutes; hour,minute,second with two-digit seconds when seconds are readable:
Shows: 11,43
